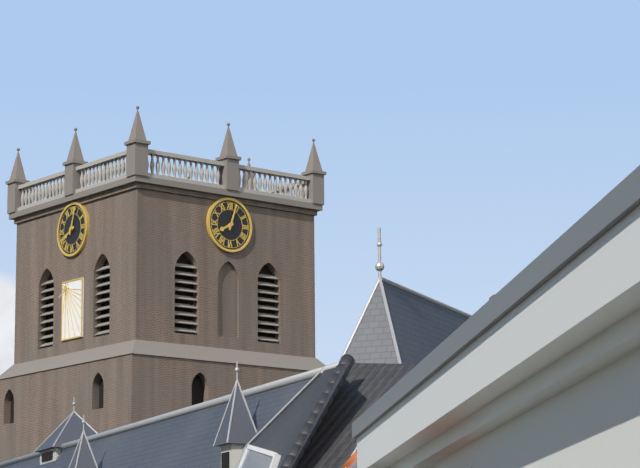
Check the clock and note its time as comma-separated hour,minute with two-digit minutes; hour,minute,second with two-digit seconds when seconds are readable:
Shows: 8,03
